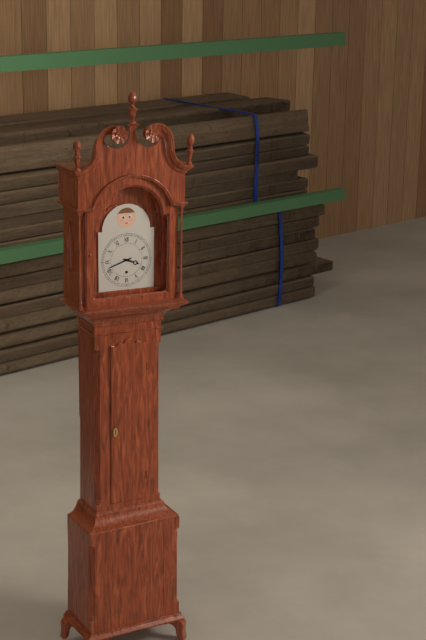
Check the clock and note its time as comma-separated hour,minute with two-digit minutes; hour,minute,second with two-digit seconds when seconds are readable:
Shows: 3,42
